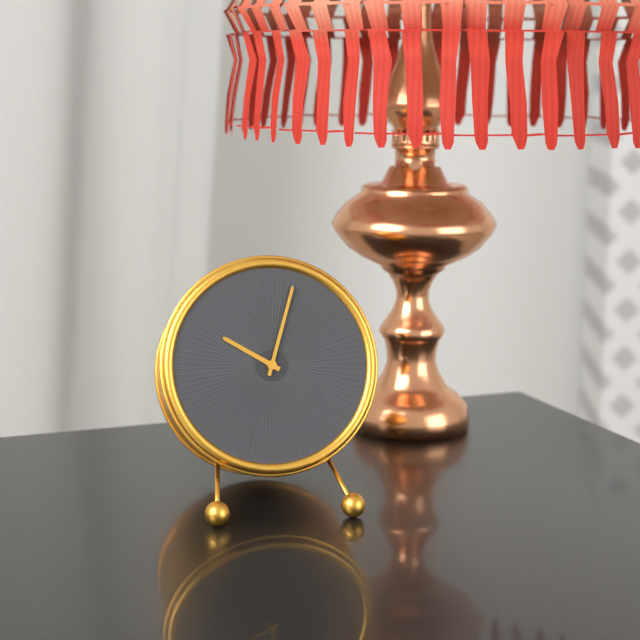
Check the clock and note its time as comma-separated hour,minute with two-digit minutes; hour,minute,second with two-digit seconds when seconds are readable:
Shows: 10,03
